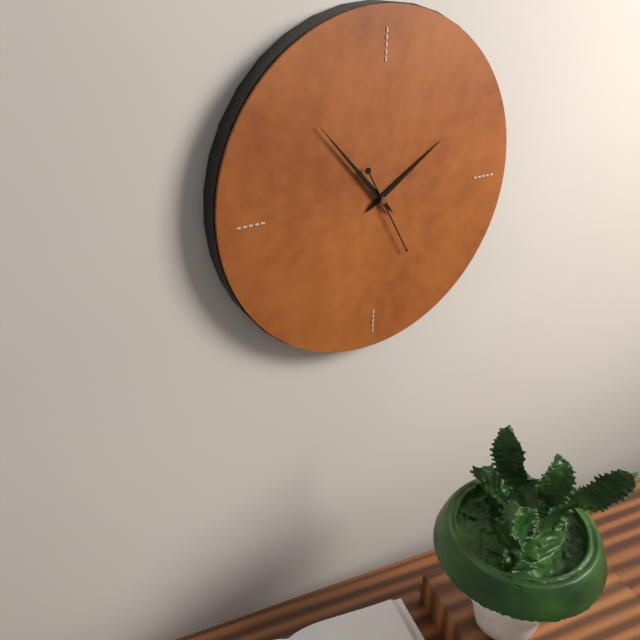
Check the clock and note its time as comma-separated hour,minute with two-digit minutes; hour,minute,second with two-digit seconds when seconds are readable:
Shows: 1,53,25
